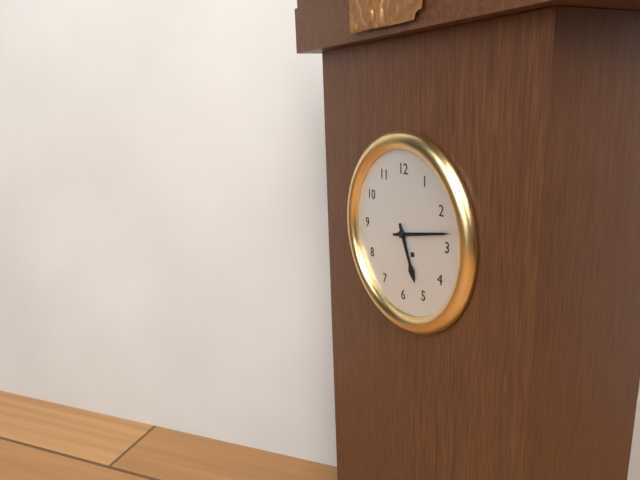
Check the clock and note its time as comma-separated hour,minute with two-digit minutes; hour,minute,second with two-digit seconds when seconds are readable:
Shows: 5,13
